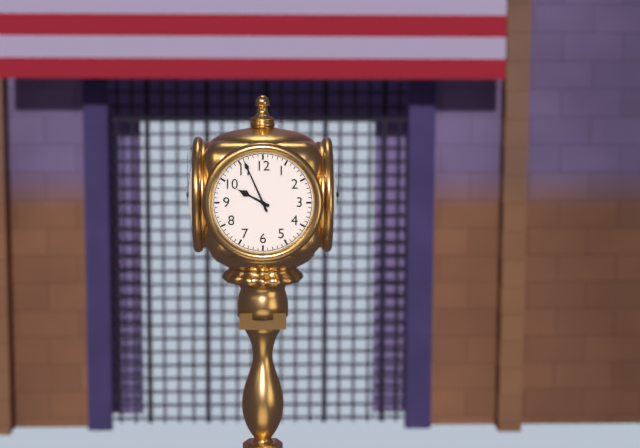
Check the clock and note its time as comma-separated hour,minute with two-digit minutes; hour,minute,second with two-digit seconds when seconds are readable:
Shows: 9,56
